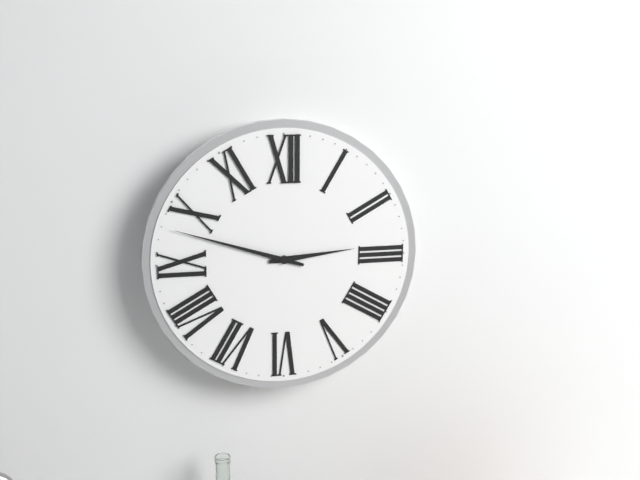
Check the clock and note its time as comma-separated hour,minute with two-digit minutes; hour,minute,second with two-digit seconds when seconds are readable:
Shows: 2,48
